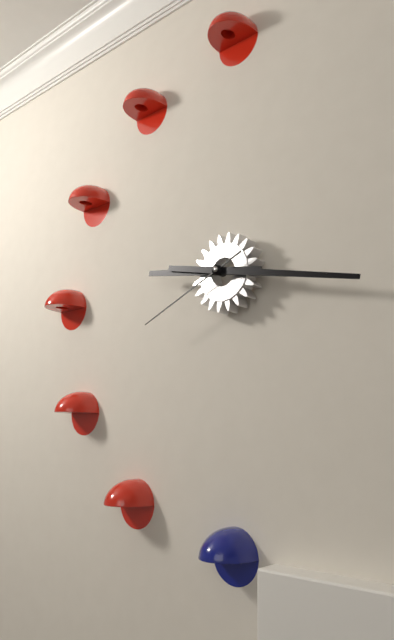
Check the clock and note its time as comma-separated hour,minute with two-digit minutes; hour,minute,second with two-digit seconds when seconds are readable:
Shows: 9,17,41
